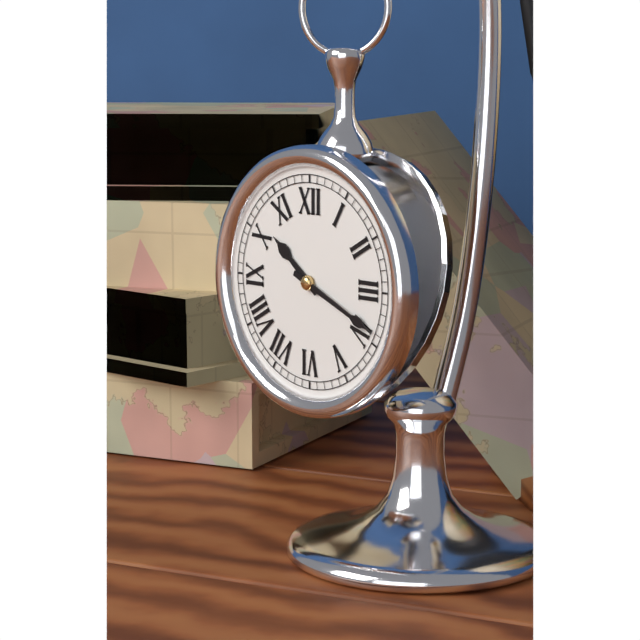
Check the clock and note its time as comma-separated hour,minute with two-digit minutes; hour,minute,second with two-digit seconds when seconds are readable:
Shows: 10,19
